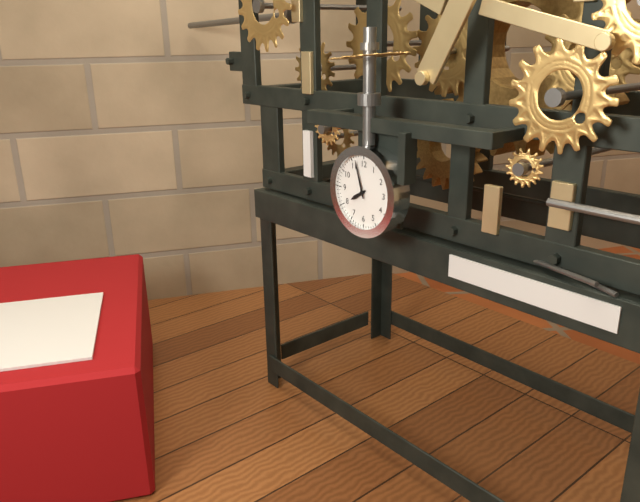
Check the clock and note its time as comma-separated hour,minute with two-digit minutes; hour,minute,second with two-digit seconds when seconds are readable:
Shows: 7,57
